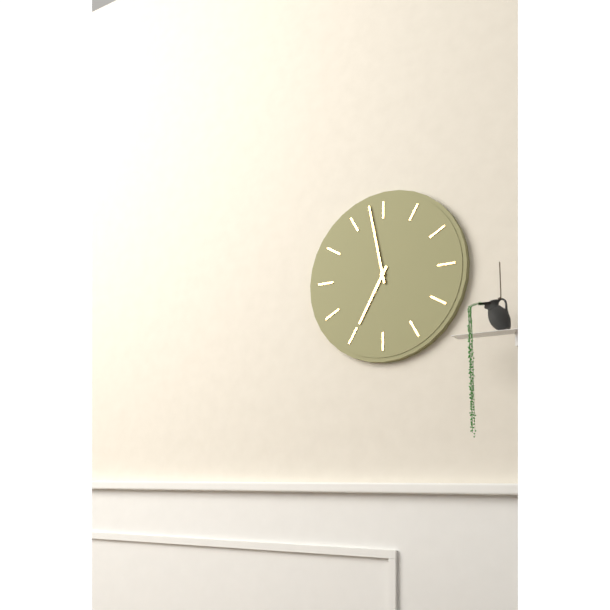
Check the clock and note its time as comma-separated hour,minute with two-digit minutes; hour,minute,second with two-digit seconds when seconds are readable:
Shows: 6,58
